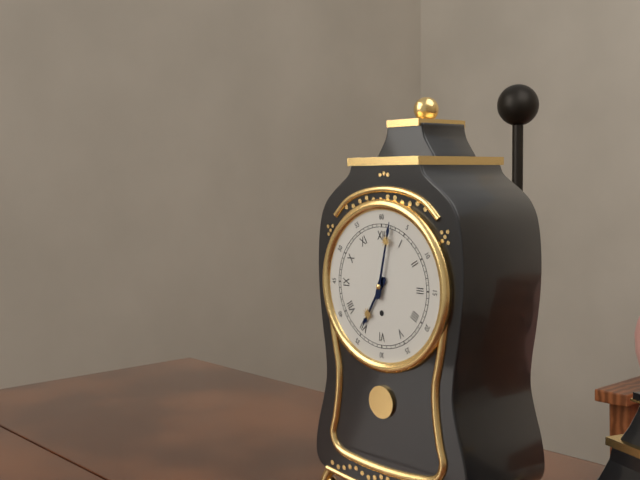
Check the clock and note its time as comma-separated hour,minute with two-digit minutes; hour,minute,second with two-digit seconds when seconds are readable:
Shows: 7,02
